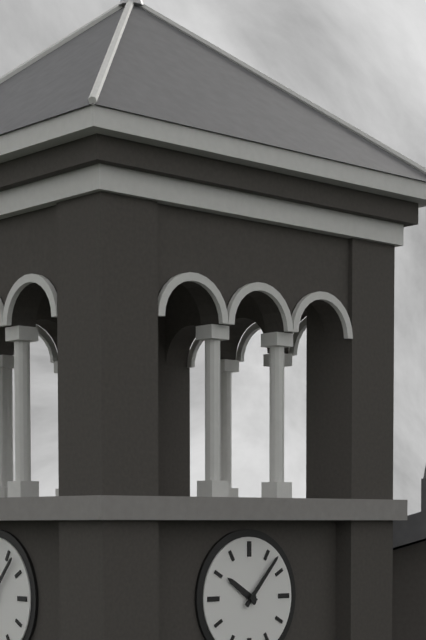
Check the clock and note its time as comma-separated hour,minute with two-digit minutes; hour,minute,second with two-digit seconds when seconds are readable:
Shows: 10,07
